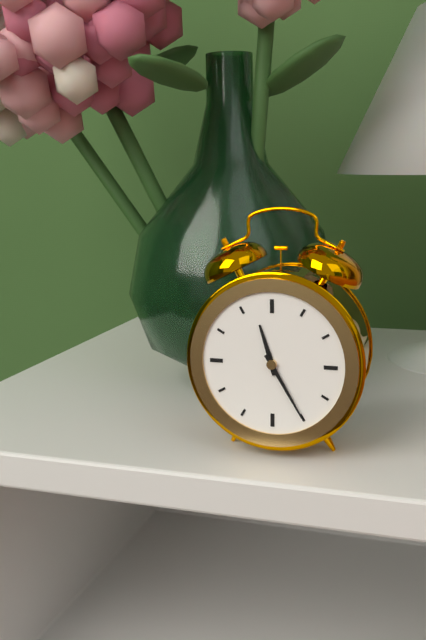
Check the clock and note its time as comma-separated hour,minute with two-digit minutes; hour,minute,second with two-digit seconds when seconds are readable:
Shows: 11,25
